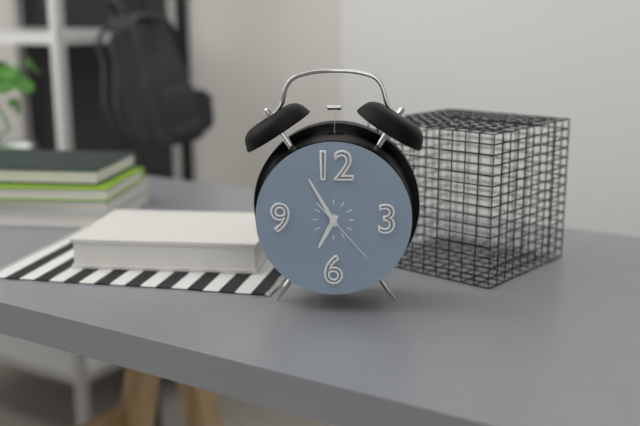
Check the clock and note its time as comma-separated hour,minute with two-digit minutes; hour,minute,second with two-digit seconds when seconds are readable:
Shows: 6,55,23
